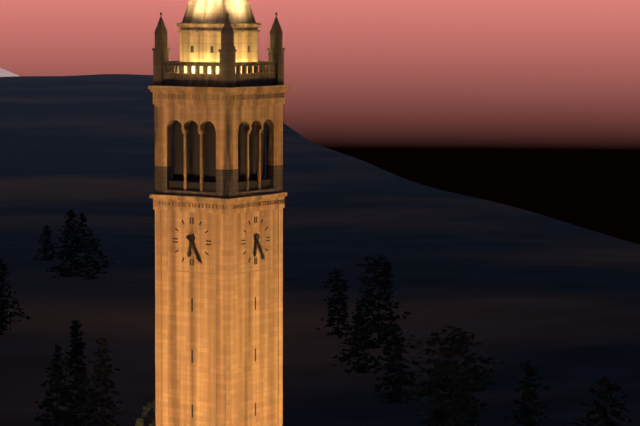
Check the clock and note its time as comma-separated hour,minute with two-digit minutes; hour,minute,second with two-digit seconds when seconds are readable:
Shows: 6,25
